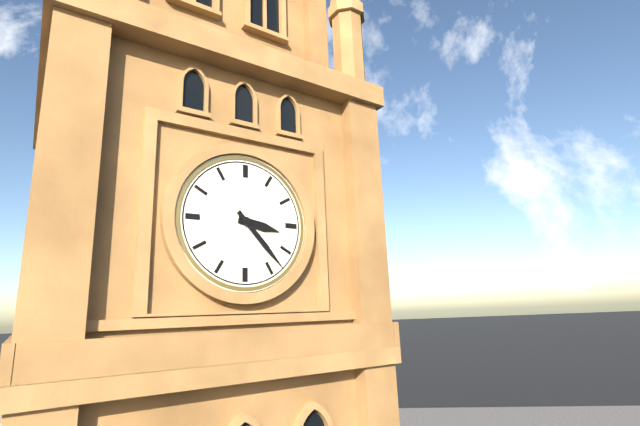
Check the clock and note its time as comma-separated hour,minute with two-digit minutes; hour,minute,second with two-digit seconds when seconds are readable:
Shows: 3,23
